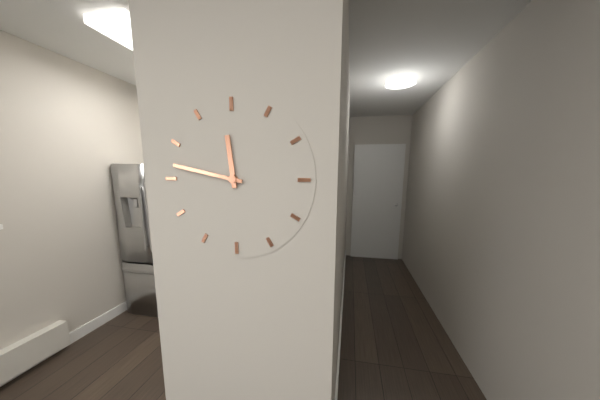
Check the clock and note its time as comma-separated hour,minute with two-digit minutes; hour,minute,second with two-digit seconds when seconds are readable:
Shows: 11,47
